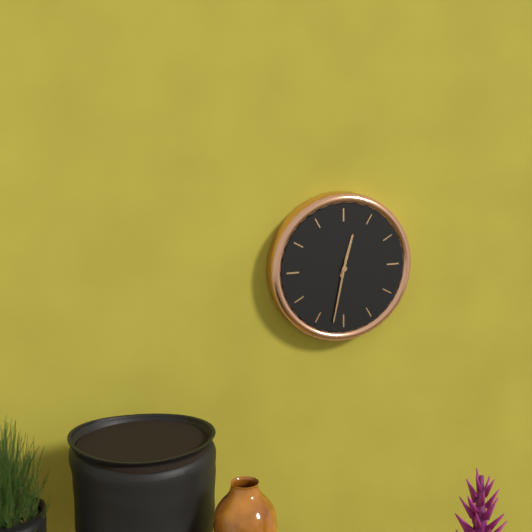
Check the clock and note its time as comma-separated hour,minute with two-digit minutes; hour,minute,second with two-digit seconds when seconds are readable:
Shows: 12,32
